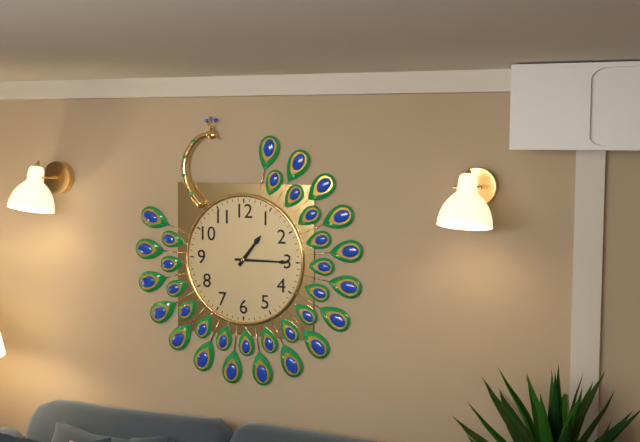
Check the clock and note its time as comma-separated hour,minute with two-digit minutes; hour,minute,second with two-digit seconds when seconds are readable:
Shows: 1,15
